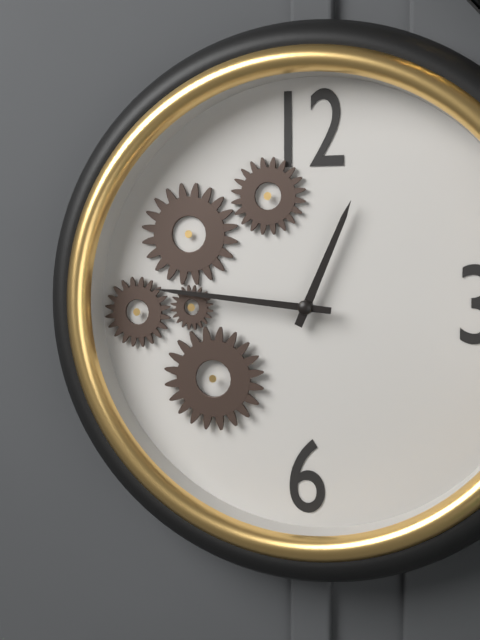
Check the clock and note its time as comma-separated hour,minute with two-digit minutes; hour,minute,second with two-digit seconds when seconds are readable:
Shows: 12,46
